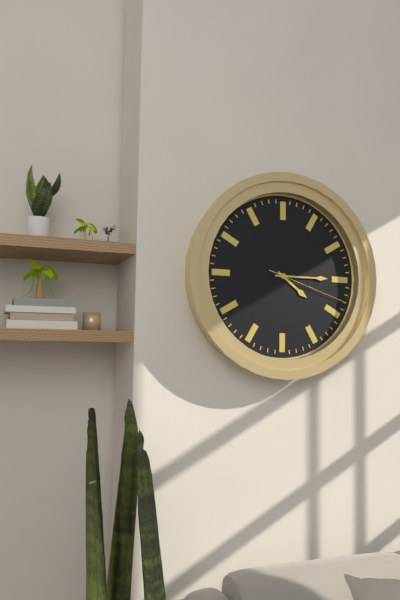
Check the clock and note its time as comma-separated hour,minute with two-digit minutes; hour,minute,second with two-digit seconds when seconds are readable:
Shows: 4,15,18
